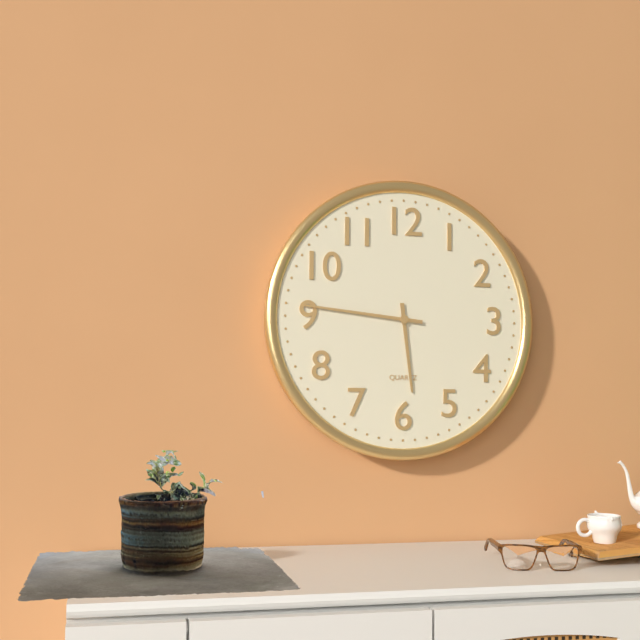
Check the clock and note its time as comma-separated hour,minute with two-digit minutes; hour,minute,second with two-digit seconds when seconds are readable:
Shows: 5,46
